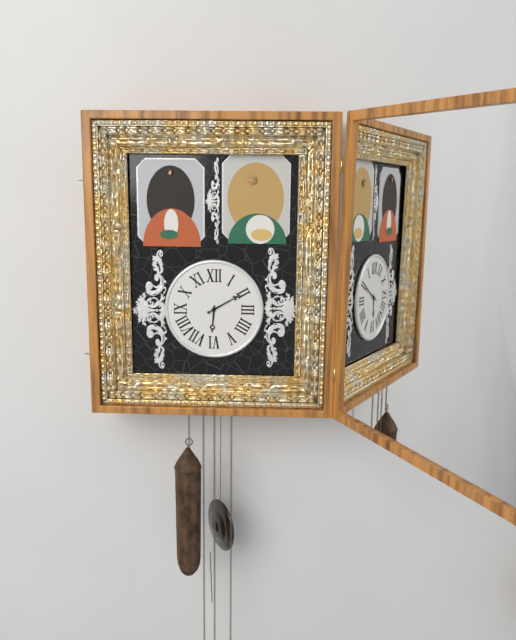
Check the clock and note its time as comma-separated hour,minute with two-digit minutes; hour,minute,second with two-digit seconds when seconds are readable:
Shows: 6,10
